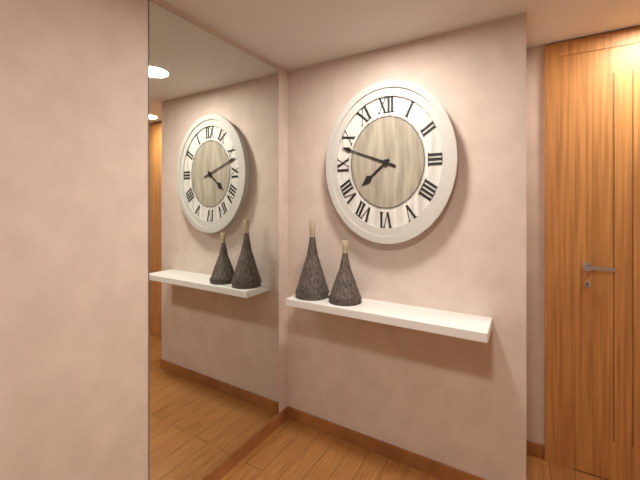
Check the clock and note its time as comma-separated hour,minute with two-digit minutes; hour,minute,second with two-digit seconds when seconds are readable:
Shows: 7,48
